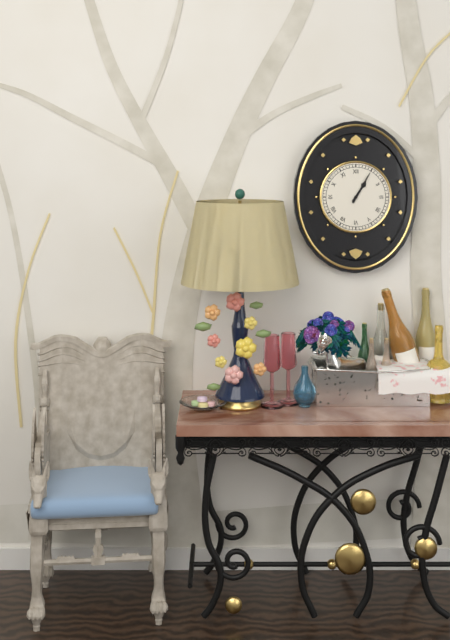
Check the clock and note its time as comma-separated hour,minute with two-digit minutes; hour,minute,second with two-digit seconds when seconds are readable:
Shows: 1,05
